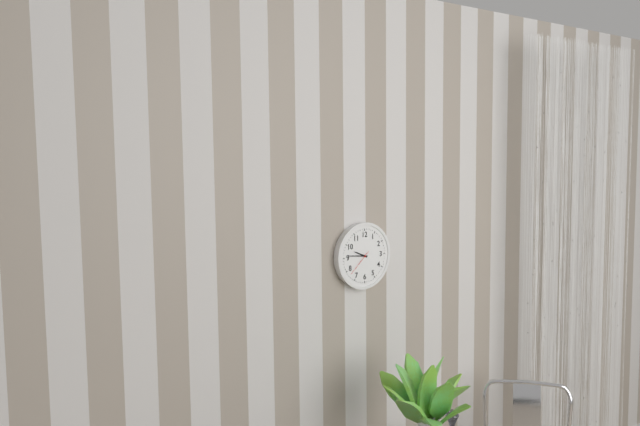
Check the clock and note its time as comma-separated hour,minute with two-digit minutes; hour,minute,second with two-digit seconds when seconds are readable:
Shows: 9,46
